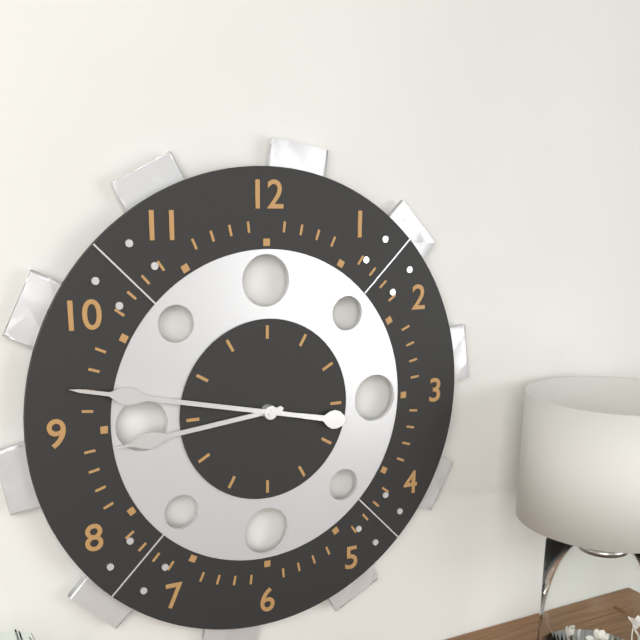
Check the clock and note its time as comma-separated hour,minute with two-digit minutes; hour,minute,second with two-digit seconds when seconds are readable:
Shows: 8,47
